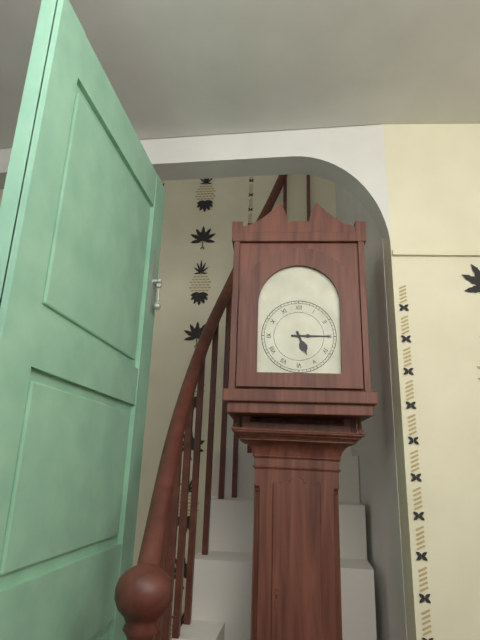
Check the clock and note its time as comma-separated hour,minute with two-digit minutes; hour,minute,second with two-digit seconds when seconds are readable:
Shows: 5,15
